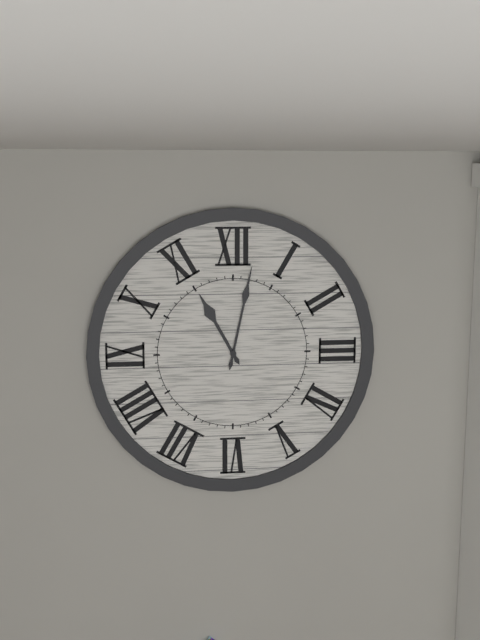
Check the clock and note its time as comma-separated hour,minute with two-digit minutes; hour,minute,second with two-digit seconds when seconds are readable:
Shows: 11,02
